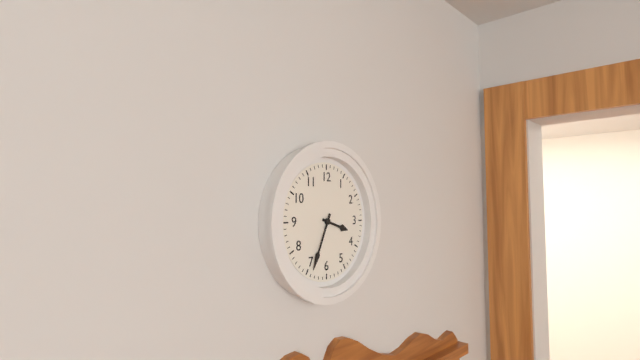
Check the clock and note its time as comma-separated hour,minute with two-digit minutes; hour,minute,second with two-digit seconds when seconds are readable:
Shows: 3,34
